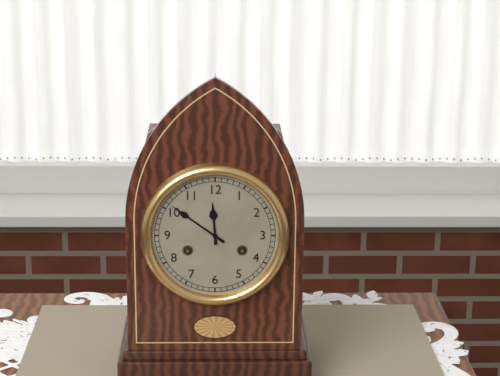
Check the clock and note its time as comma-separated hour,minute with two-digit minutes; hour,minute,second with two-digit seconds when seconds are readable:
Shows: 11,51
